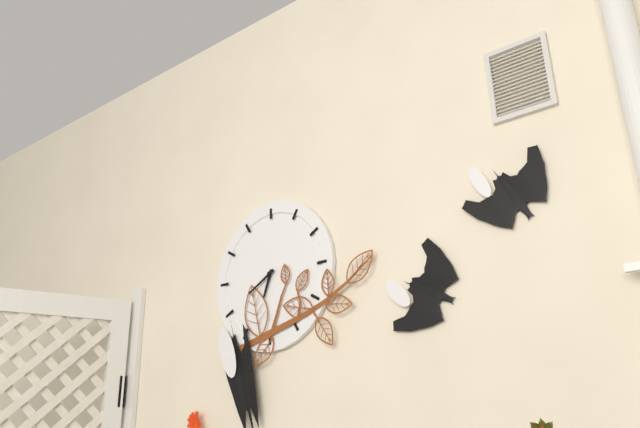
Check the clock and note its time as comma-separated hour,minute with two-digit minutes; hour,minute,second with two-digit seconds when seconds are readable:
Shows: 6,40
